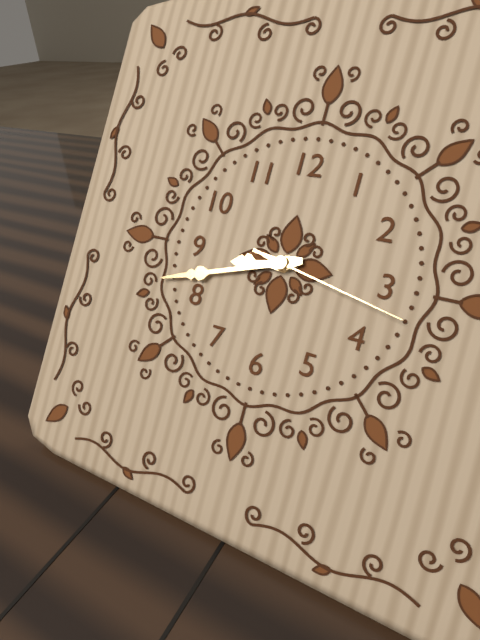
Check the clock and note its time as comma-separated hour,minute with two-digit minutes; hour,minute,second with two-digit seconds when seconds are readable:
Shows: 8,42,17
